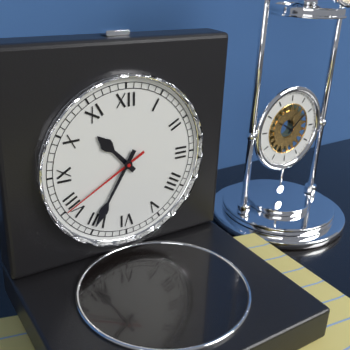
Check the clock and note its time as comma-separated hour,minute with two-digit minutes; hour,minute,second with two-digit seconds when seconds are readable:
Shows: 10,35,40
